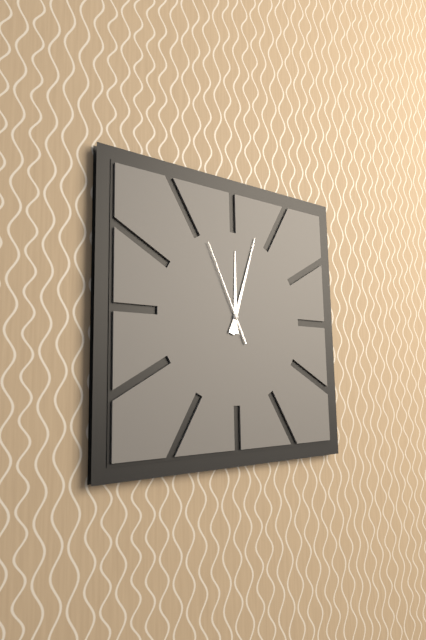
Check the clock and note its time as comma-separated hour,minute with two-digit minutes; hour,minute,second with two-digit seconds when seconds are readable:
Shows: 12,03,56
